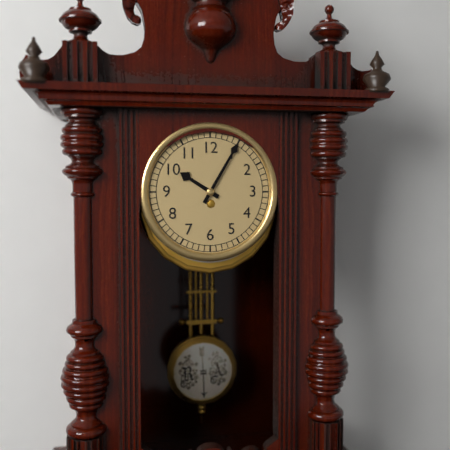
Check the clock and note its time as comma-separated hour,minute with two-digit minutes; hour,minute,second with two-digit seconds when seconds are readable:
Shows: 10,05
